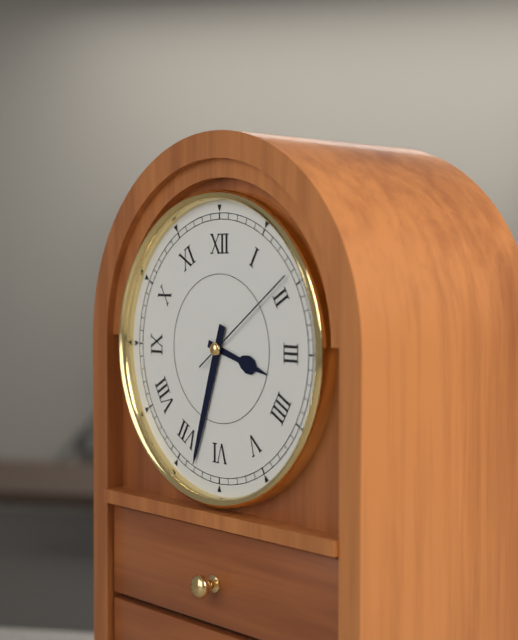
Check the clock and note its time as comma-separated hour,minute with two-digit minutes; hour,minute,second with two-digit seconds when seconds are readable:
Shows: 3,33,09
